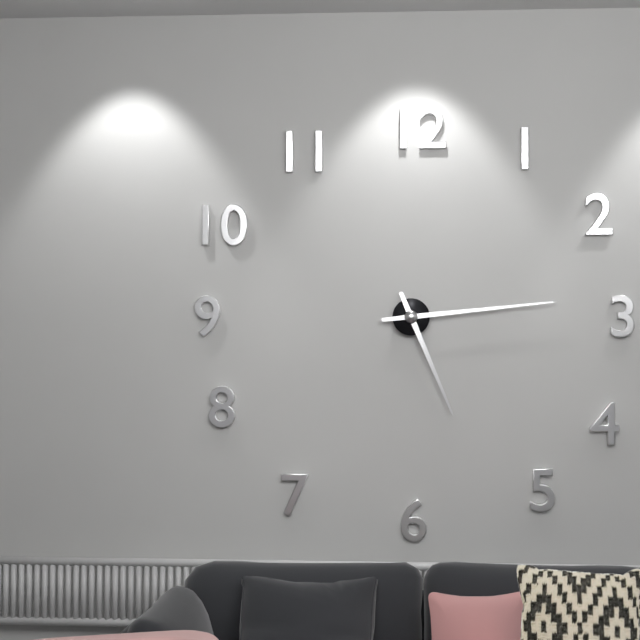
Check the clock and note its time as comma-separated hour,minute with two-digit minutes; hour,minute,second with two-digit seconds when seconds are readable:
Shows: 5,14
